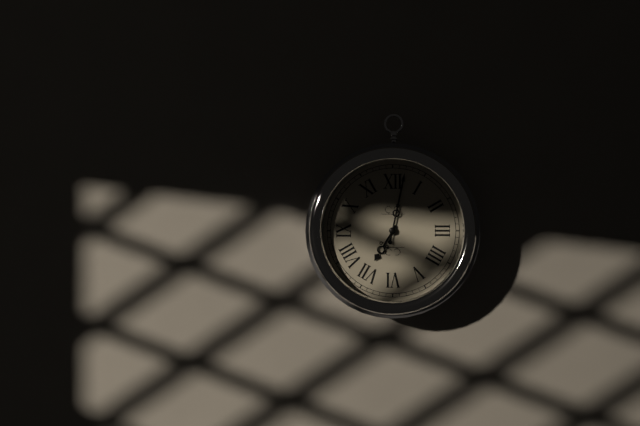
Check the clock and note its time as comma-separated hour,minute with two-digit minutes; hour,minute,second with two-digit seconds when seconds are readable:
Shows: 7,02
